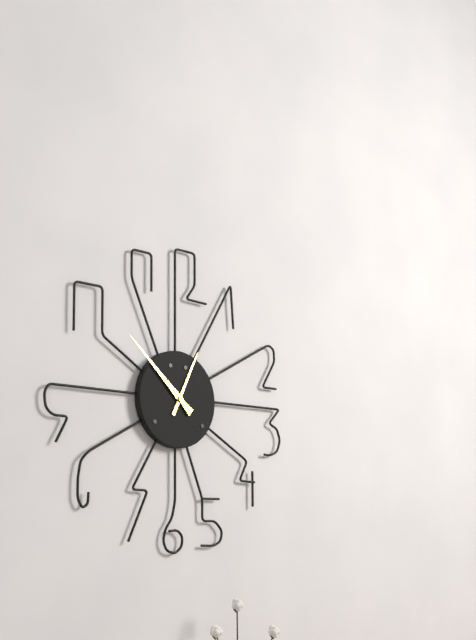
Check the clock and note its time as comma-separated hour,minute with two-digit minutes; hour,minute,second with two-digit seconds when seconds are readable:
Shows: 12,52
